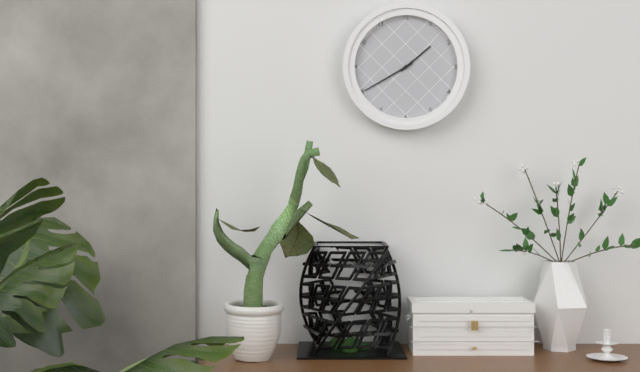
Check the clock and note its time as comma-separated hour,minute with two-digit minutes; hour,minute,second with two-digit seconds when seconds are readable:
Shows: 1,40
